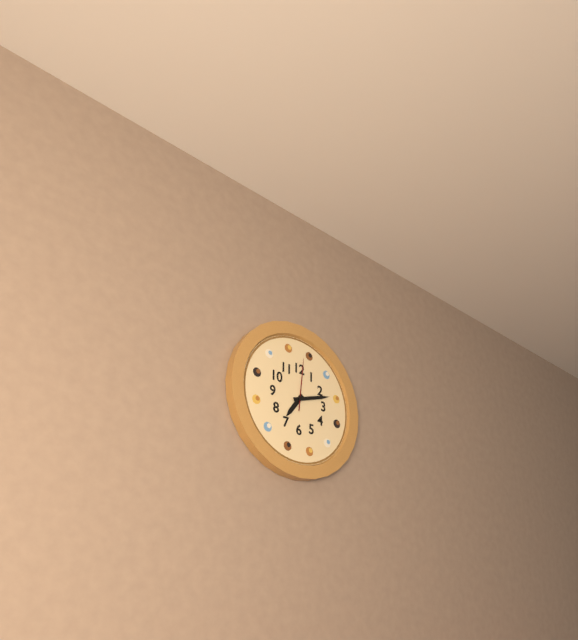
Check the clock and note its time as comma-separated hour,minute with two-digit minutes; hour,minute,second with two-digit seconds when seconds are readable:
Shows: 7,12,01
